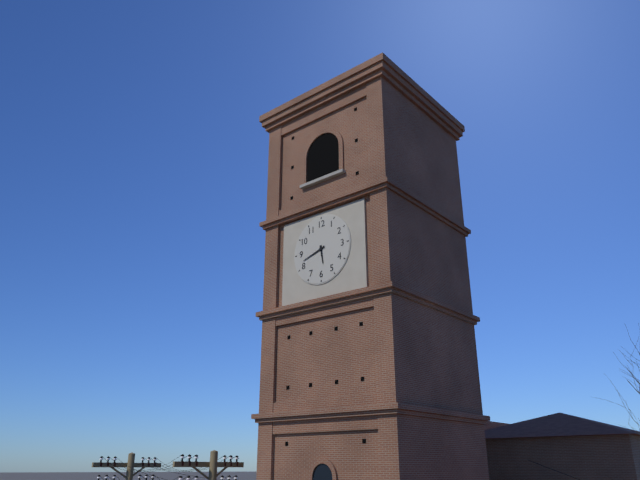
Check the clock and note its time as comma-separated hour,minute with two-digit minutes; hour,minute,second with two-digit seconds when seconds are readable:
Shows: 5,42
